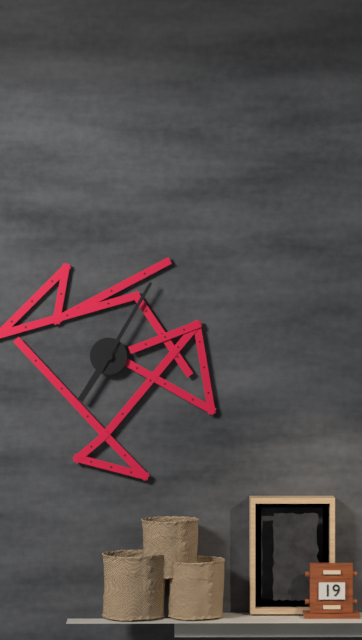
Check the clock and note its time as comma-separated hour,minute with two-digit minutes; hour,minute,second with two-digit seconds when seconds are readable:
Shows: 7,05
